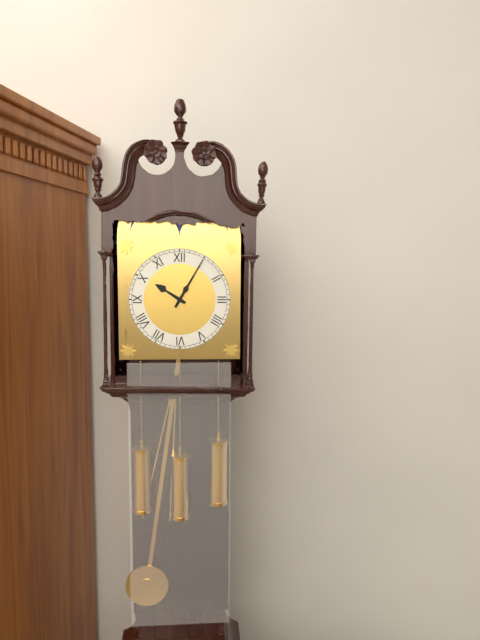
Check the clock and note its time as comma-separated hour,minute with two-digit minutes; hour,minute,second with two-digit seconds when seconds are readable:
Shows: 10,05
